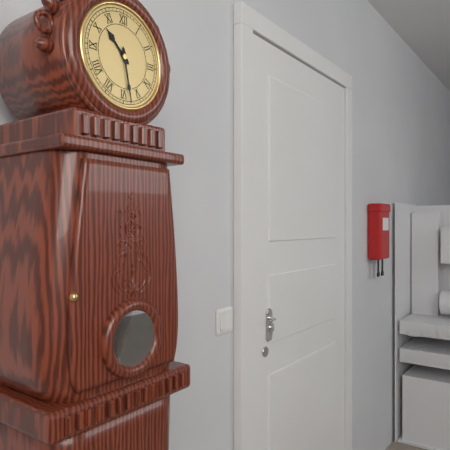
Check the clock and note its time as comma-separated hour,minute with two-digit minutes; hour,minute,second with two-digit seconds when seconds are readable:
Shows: 10,28
